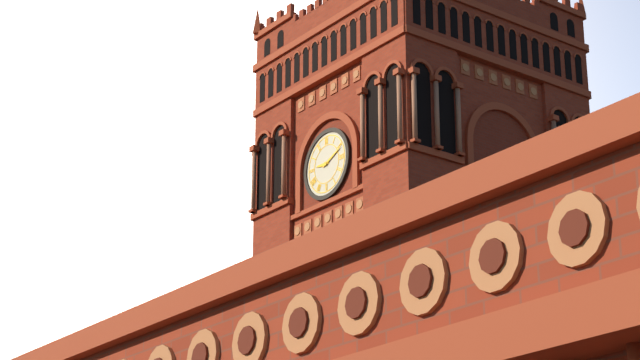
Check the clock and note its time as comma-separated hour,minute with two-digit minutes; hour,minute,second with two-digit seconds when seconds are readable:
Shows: 9,11
